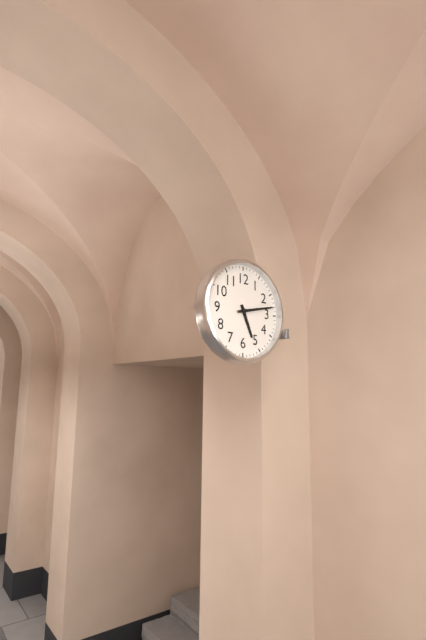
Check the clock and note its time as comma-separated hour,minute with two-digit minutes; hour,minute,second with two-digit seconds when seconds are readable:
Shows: 5,13
